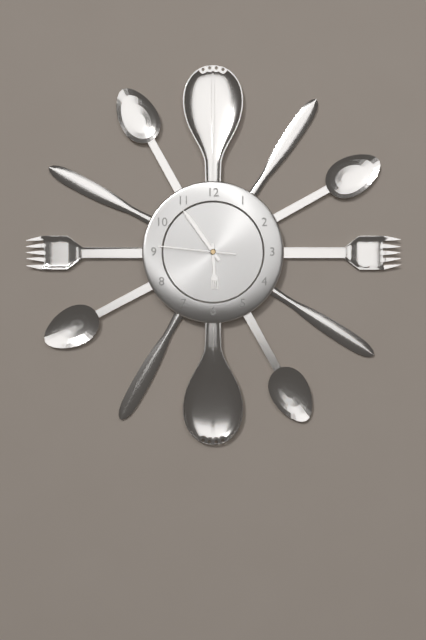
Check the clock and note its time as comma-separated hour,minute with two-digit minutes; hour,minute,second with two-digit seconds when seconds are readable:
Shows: 5,54,46
